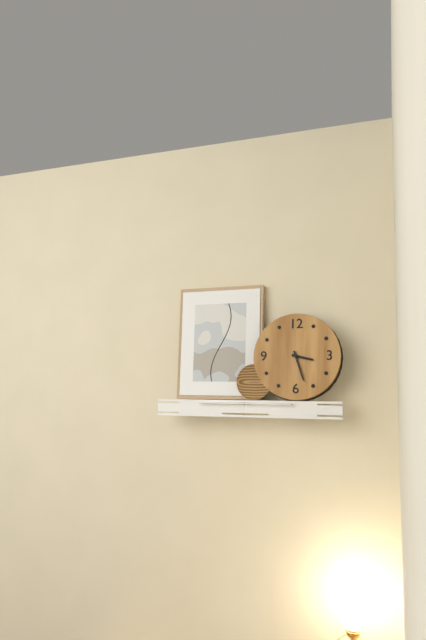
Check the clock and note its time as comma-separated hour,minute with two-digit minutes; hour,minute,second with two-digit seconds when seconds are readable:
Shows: 3,27
